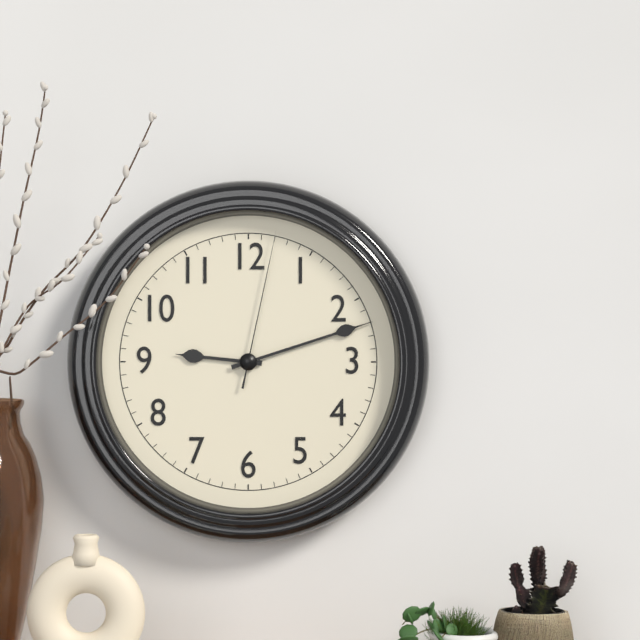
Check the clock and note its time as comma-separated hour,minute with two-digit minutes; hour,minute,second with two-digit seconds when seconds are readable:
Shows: 9,12,02
